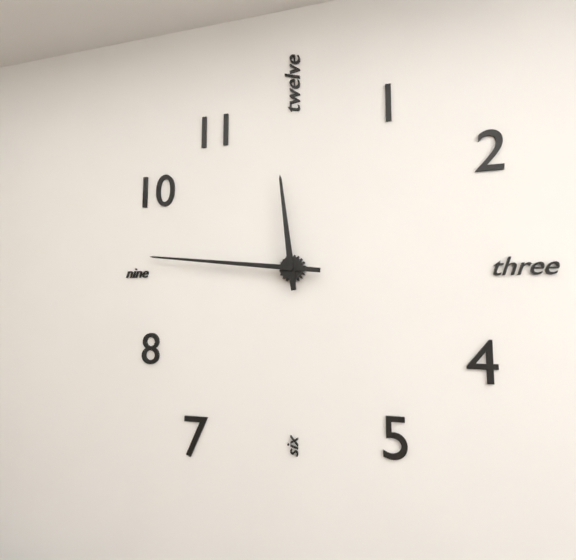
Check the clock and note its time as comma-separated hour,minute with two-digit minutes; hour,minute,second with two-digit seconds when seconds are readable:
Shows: 11,46
